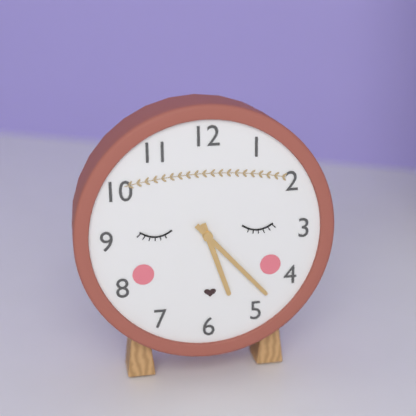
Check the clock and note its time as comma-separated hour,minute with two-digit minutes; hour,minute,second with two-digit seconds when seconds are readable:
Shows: 5,23
